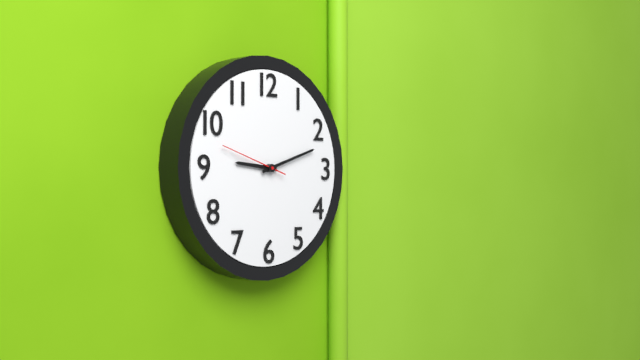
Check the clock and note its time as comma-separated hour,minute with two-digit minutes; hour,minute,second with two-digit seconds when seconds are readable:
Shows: 9,12,48
